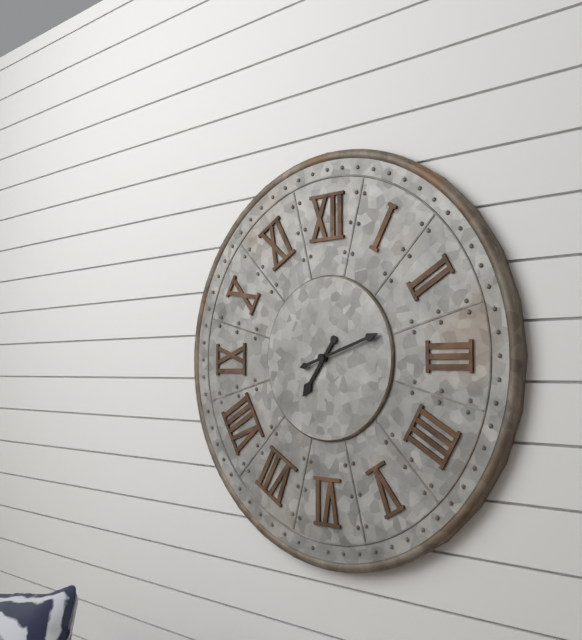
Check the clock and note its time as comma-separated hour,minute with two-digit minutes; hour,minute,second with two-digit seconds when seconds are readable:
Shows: 7,12
